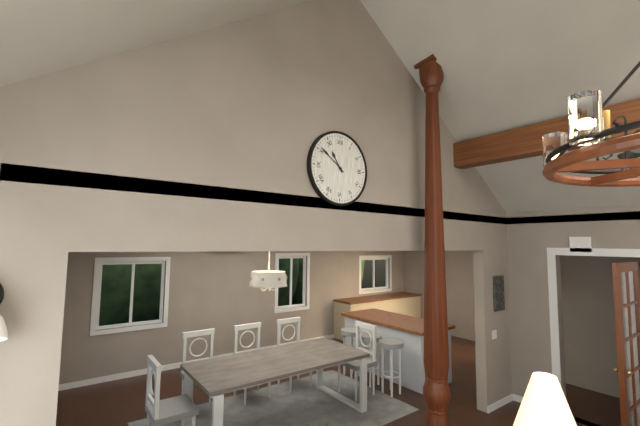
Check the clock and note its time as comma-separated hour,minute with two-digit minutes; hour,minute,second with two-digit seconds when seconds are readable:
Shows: 10,51
